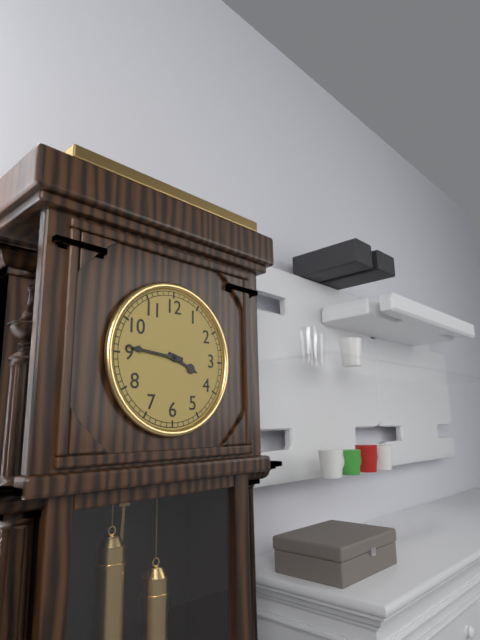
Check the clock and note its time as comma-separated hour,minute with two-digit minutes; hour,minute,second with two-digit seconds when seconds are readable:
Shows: 3,46
